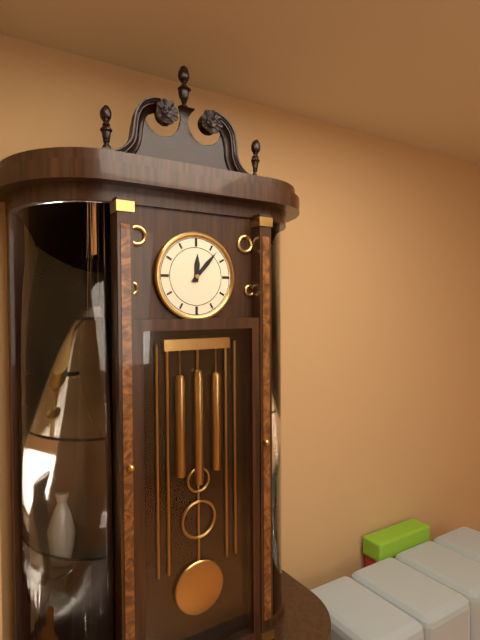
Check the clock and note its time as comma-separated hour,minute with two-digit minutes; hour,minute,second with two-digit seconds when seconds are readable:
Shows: 12,07
